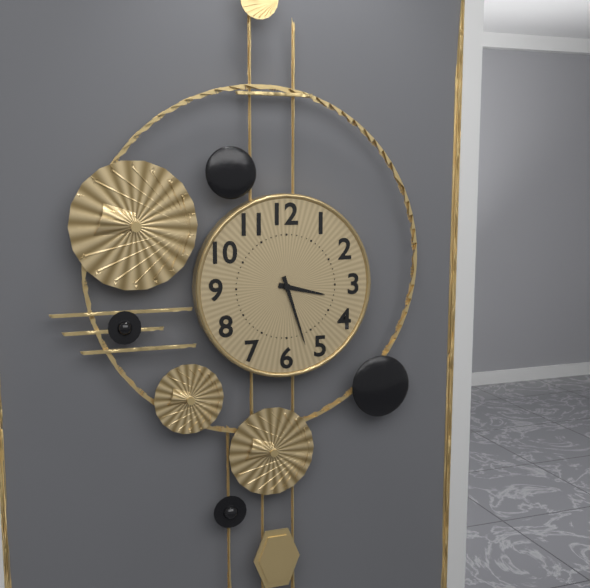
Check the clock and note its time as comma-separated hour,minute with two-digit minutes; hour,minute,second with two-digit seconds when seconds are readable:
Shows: 3,27
